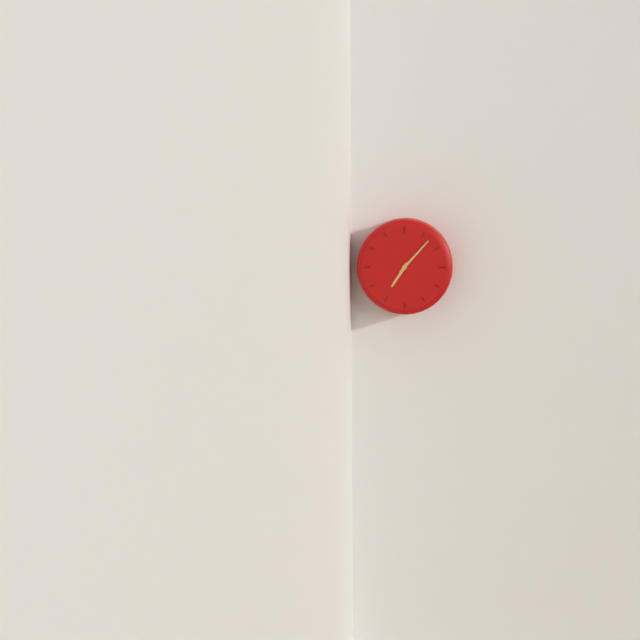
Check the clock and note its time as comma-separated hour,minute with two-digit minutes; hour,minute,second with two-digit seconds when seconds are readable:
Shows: 7,07
